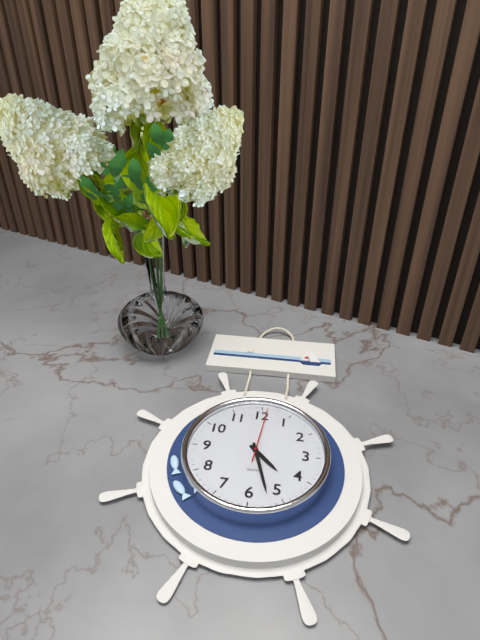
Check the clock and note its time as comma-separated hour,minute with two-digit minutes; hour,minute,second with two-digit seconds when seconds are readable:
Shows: 4,27,01
